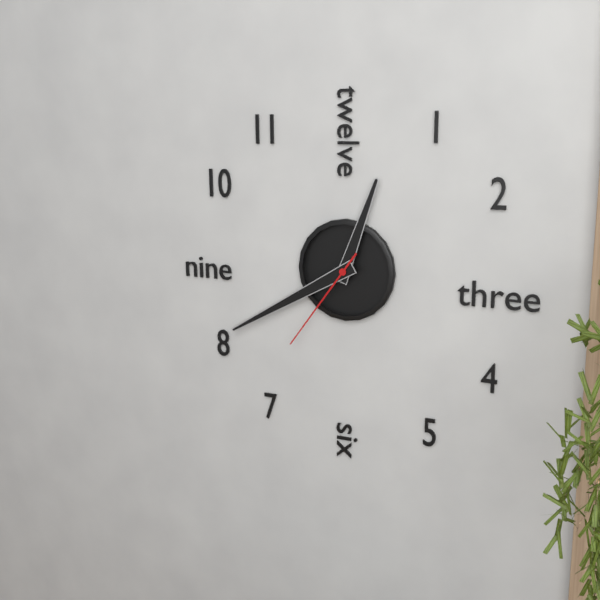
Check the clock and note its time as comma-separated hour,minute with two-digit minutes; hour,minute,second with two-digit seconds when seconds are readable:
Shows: 12,40,36
